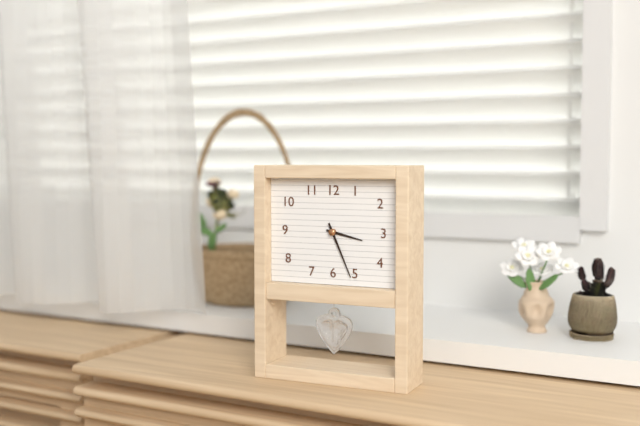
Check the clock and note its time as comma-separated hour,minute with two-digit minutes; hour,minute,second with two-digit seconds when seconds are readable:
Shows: 3,26
